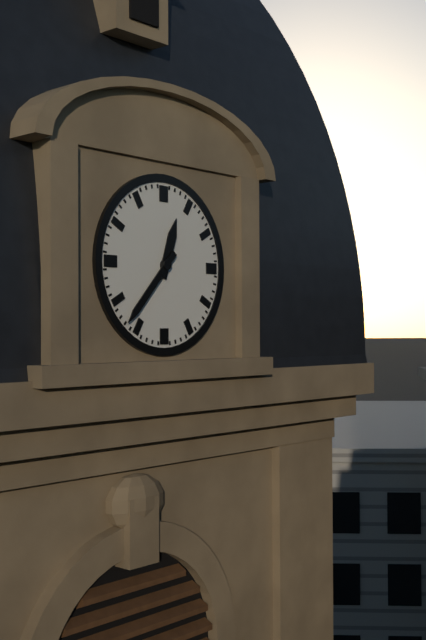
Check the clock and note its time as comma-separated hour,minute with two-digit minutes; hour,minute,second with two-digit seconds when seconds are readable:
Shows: 12,37
